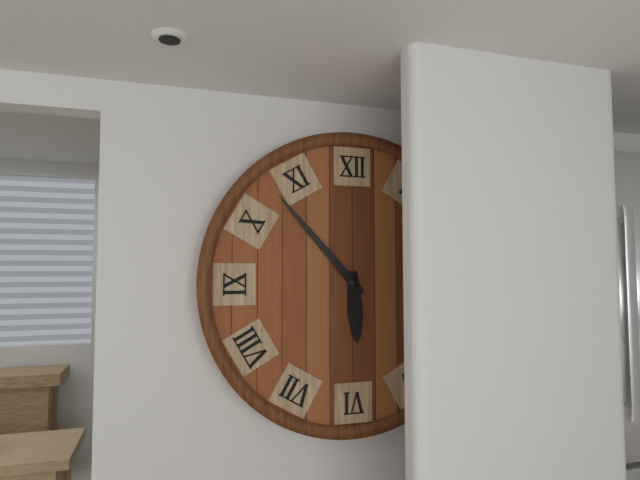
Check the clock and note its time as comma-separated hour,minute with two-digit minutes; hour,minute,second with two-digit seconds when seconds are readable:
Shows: 5,53
